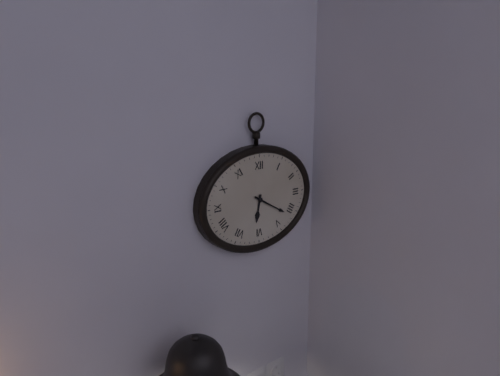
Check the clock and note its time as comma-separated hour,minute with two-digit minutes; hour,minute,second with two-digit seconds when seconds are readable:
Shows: 6,20
